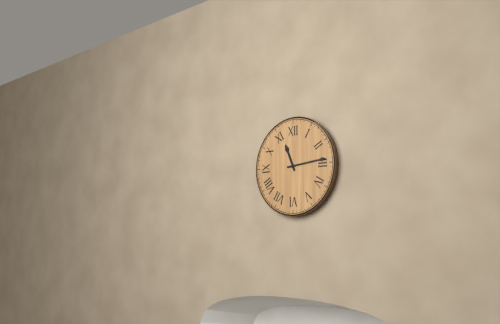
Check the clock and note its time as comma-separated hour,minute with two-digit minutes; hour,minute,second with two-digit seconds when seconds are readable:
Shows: 11,14
